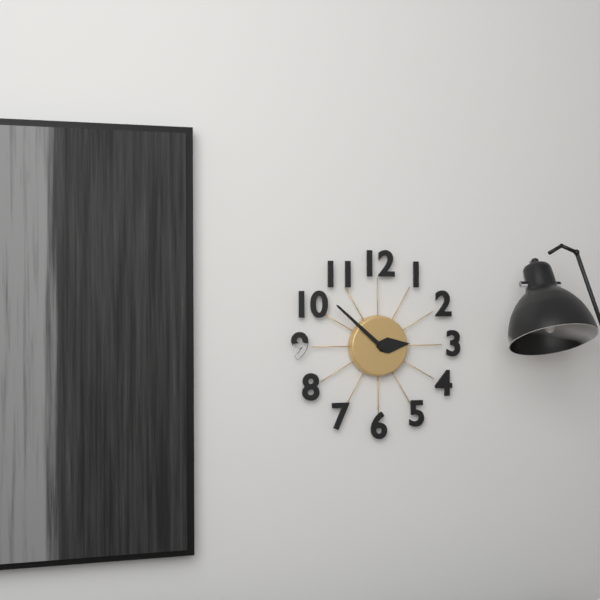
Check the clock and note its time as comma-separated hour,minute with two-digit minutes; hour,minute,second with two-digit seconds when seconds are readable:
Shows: 2,52
